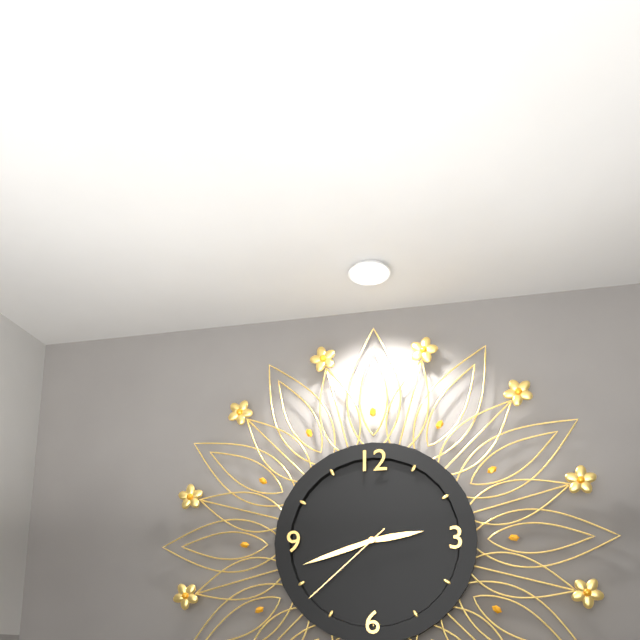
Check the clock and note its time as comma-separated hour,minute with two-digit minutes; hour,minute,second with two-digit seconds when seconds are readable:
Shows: 2,42,38
